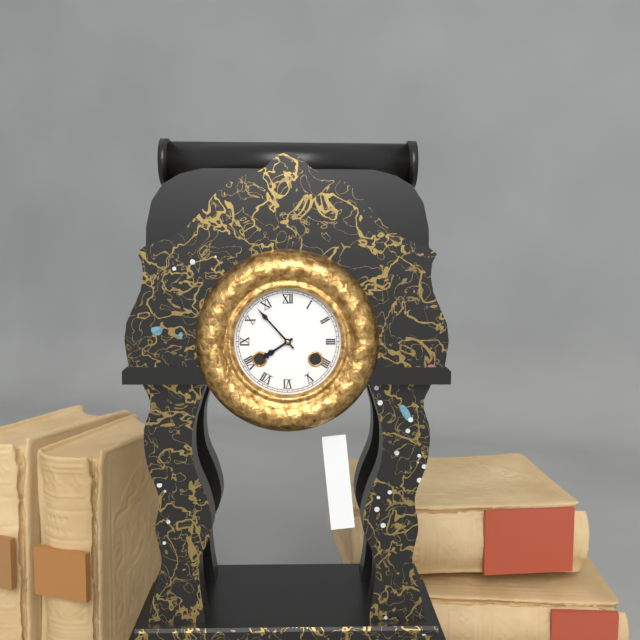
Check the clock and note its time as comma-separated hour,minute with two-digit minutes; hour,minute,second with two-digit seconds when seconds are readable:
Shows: 7,53
